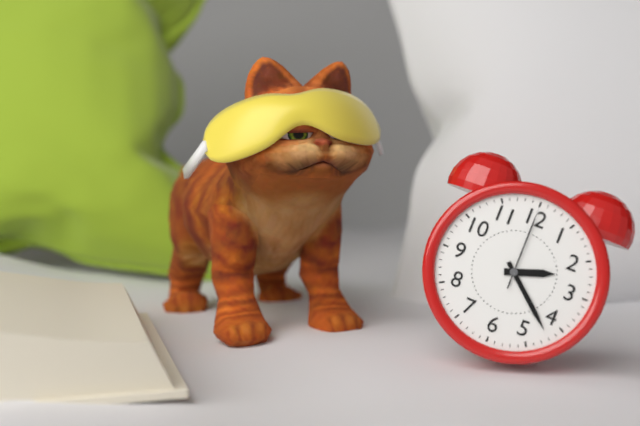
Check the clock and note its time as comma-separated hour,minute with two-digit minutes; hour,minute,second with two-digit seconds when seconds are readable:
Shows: 2,22,00
